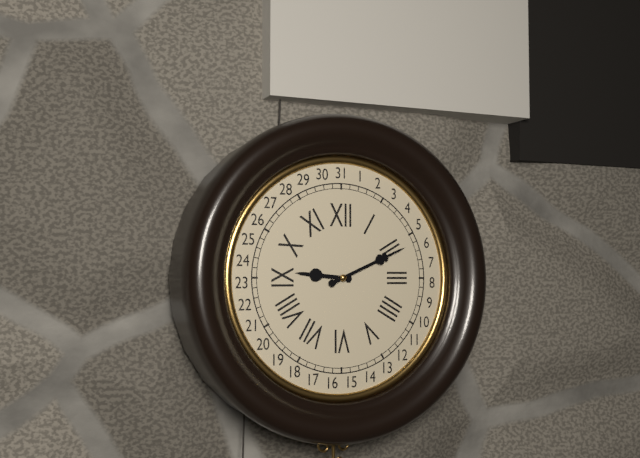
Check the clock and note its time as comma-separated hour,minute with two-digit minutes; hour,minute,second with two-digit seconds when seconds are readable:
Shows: 9,11
